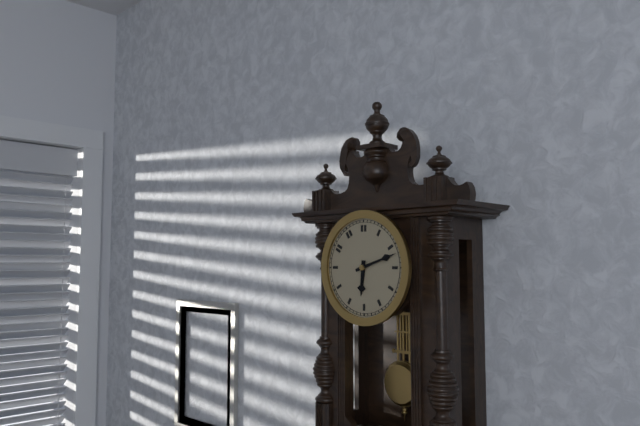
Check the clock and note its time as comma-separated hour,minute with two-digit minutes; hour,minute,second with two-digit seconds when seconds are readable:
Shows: 6,12
